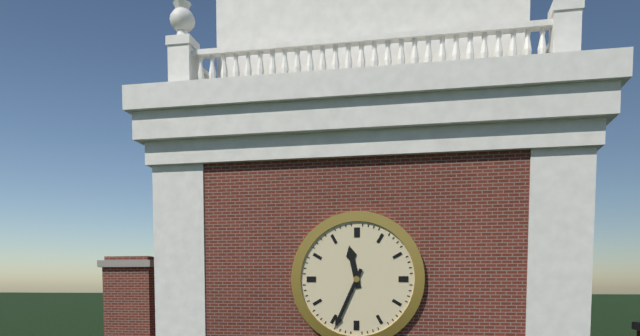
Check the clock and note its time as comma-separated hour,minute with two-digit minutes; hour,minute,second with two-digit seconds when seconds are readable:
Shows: 11,34
